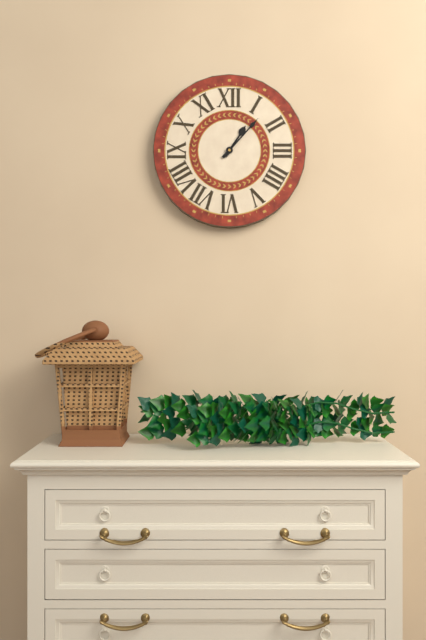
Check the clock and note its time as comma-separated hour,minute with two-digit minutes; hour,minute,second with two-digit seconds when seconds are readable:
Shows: 1,07
